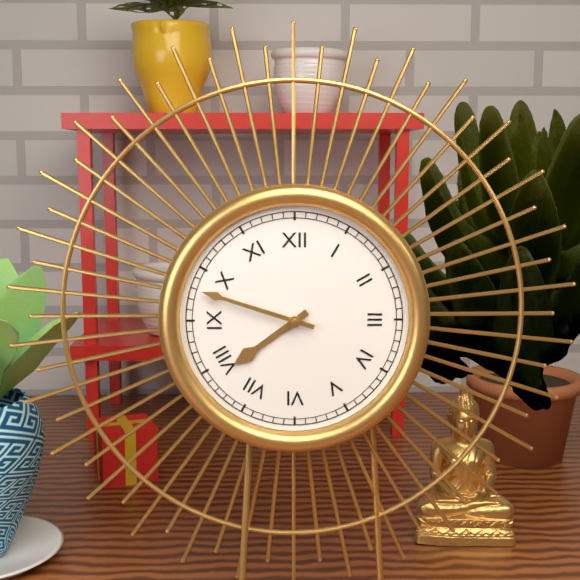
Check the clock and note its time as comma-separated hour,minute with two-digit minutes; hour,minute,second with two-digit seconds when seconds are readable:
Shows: 7,48
